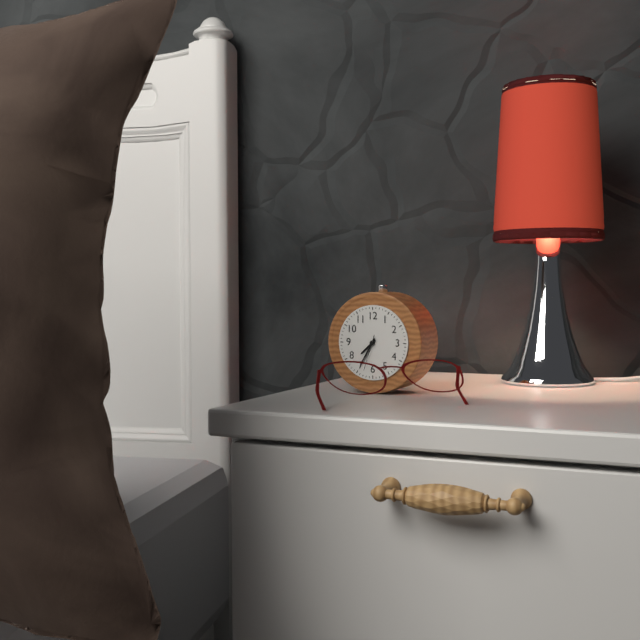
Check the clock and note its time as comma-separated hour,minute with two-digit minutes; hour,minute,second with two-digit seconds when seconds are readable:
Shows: 7,35
